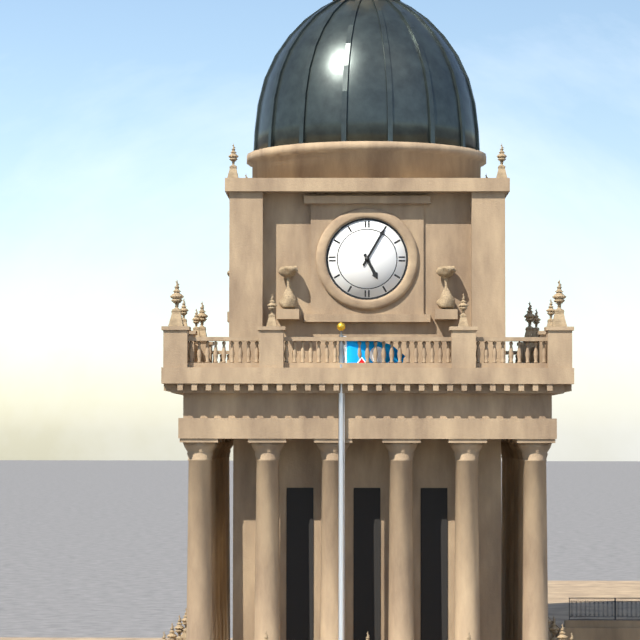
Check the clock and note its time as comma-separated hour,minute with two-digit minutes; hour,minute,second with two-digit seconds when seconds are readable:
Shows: 5,05
